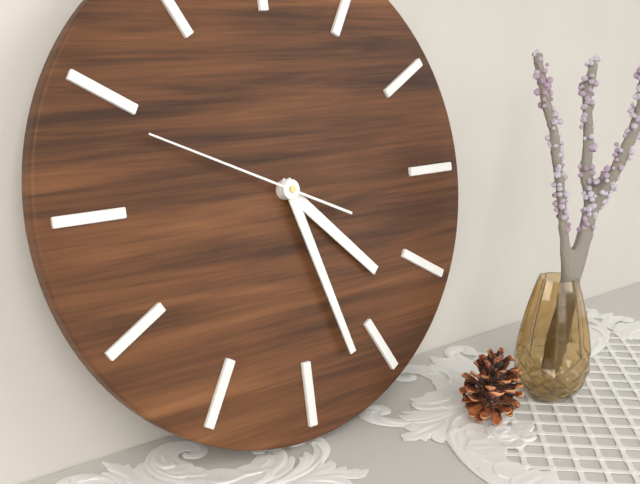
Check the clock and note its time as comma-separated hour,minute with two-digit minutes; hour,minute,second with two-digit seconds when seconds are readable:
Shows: 4,27,49
